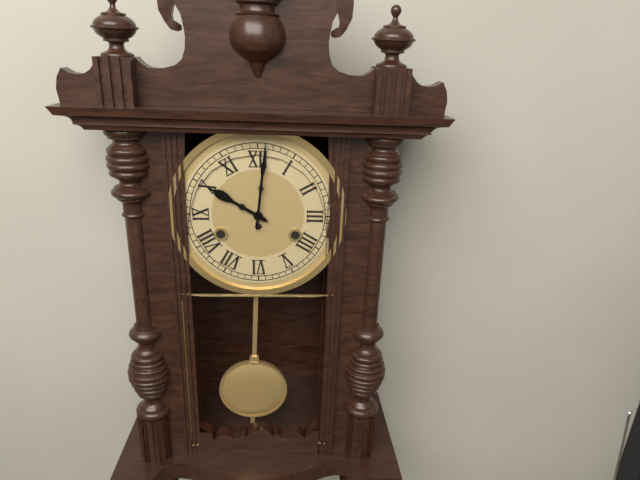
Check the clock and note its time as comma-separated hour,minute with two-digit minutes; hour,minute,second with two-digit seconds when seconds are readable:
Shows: 10,01
